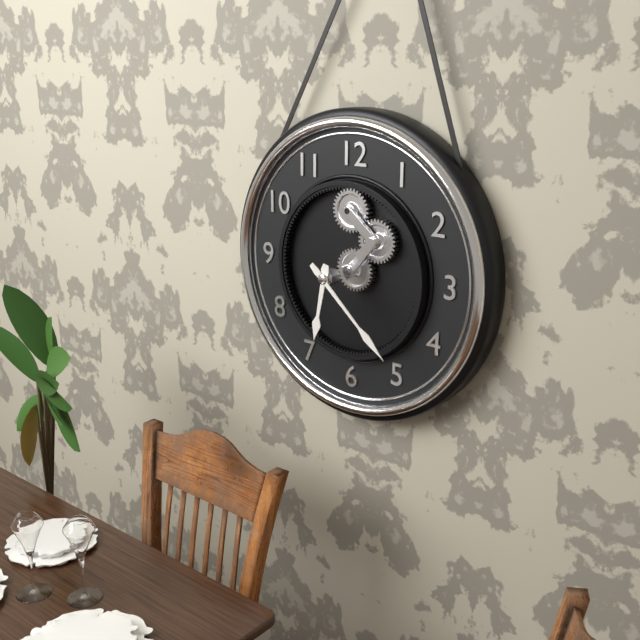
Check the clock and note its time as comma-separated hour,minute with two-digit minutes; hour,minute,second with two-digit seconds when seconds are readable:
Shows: 6,22
